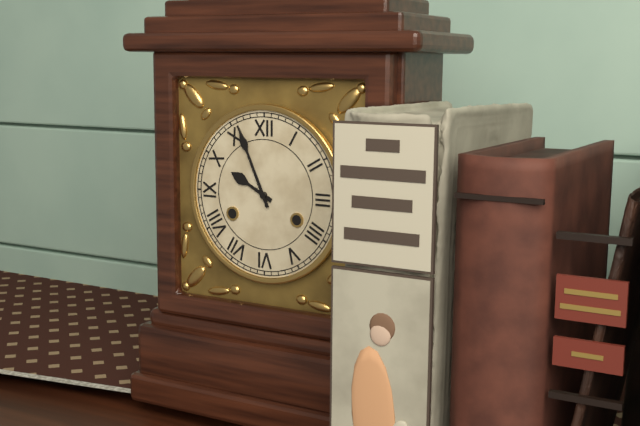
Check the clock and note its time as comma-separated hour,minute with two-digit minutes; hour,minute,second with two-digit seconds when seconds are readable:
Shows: 9,56
